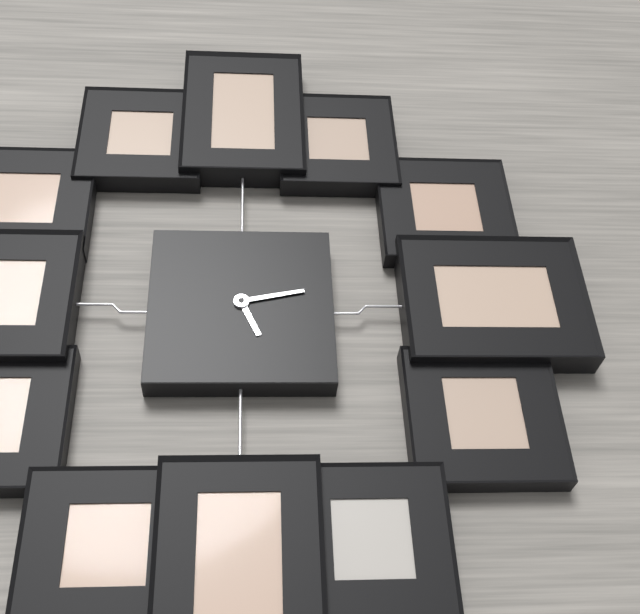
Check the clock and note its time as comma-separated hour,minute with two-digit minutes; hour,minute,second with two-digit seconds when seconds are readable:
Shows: 5,13
